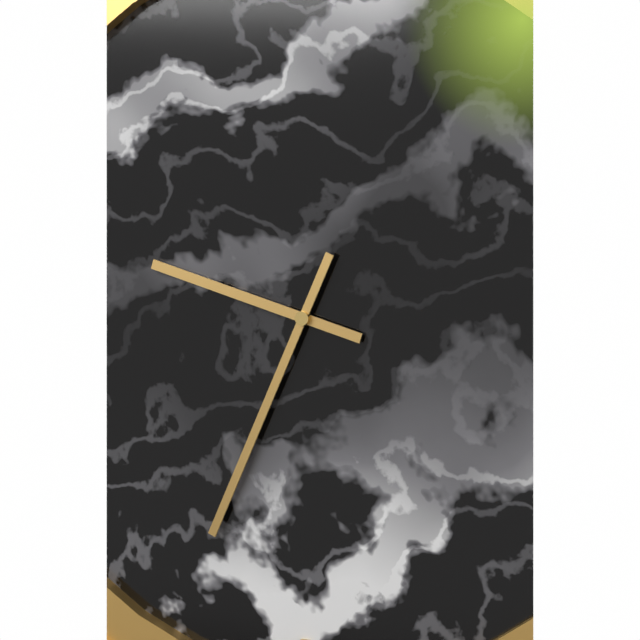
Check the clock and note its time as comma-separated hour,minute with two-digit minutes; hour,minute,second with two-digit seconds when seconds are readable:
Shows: 9,34
